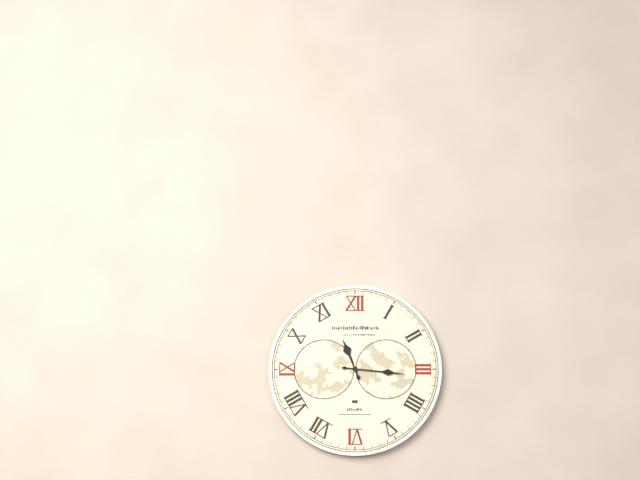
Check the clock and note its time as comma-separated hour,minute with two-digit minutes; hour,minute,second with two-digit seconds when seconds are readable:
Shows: 11,16
